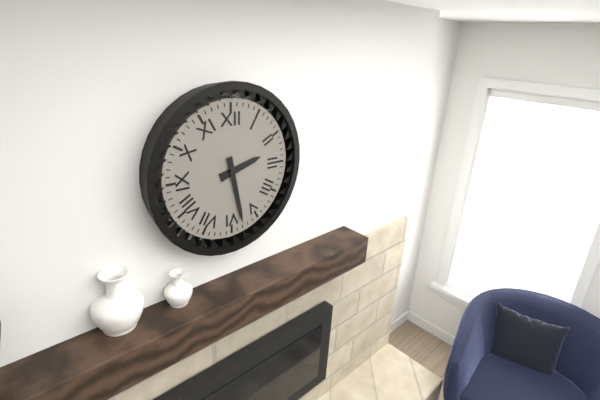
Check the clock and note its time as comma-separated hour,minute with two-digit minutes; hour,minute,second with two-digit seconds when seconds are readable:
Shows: 2,28
